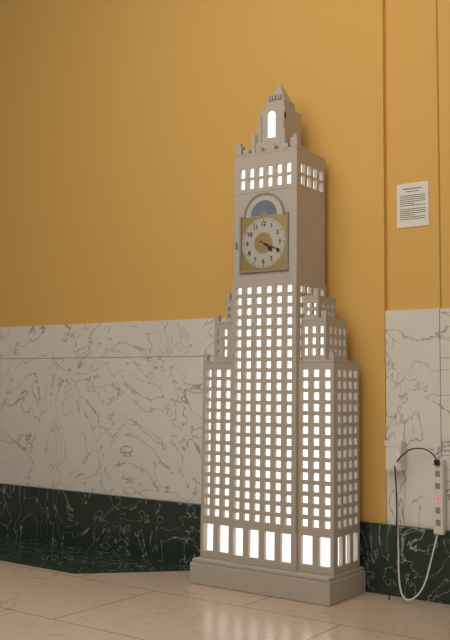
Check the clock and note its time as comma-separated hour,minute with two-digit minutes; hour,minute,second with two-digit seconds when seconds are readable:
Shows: 4,19
